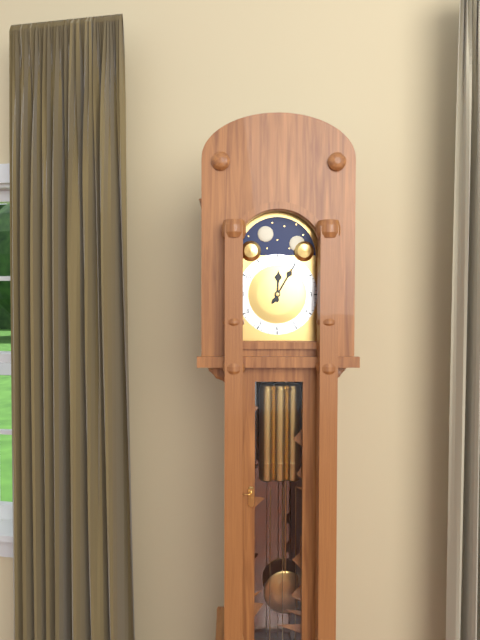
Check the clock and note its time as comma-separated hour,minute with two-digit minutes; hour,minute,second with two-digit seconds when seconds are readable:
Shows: 12,05
